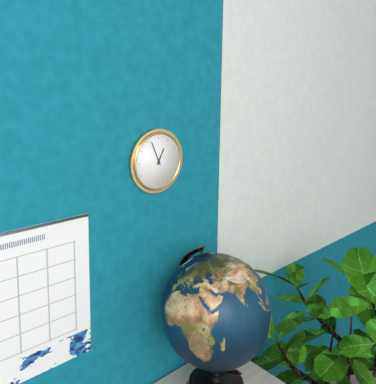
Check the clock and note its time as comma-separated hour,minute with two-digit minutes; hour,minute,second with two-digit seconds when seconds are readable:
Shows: 12,56
